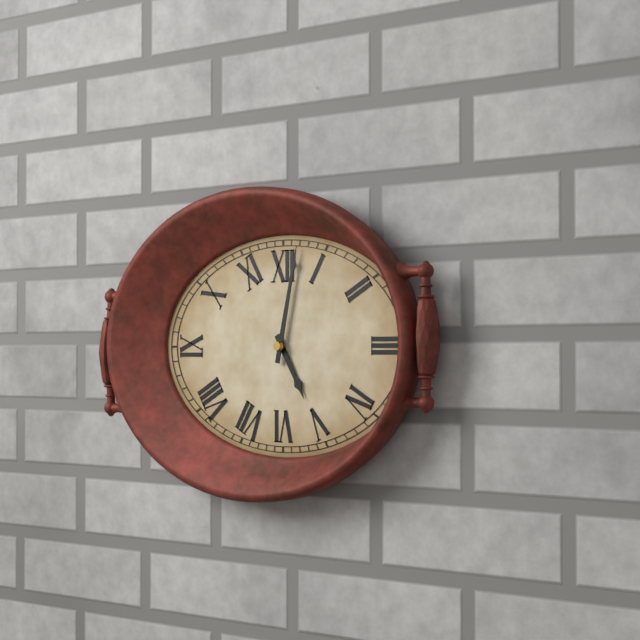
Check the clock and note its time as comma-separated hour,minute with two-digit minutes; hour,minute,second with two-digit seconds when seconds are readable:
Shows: 5,02
